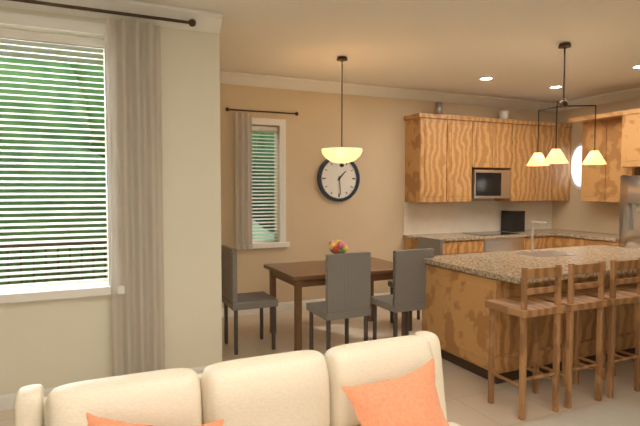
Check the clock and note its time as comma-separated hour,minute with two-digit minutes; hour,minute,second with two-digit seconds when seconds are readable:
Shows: 1,29
